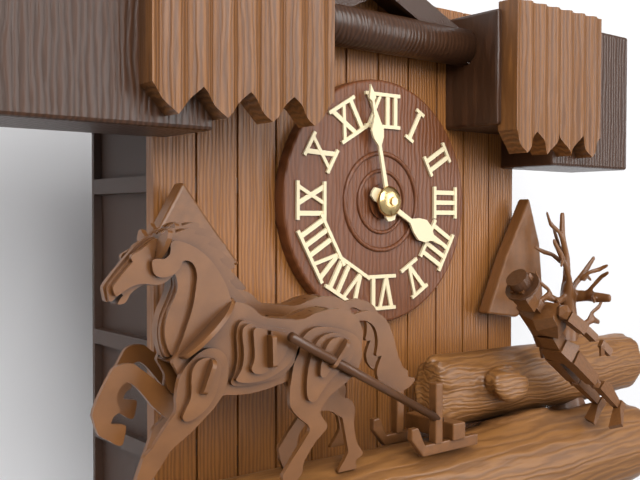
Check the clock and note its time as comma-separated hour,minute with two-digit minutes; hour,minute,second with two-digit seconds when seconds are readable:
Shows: 3,58
